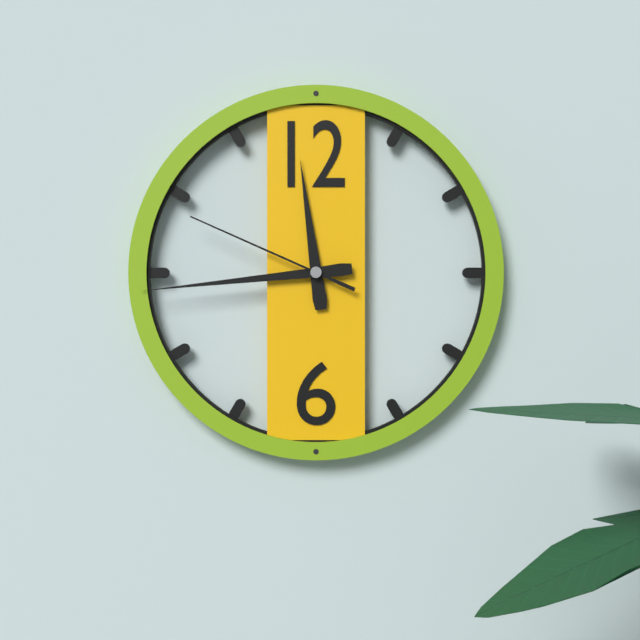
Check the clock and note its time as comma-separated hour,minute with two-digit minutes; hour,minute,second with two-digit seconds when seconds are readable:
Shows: 11,44,49
